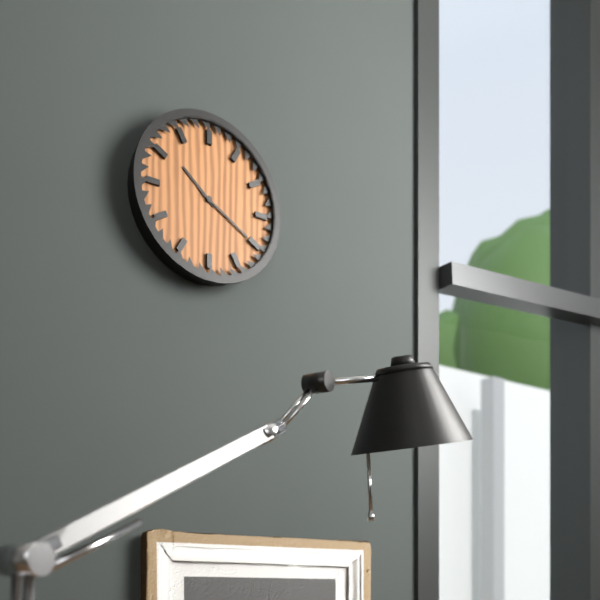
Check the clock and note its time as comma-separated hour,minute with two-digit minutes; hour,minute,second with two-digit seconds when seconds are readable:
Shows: 10,20
